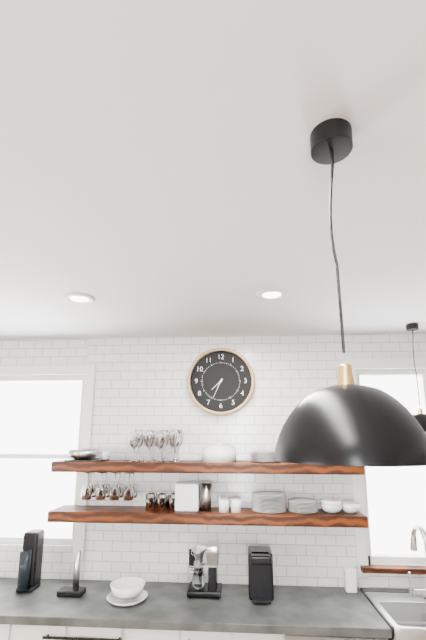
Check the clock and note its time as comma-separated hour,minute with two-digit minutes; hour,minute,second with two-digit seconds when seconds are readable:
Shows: 7,34
